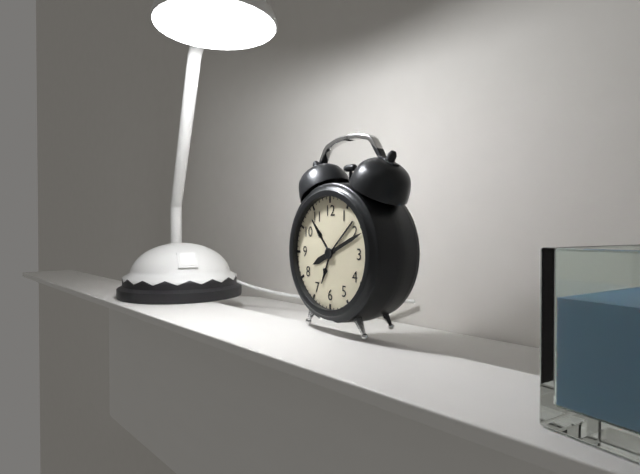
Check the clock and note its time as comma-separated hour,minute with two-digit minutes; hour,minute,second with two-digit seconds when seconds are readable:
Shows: 8,11
